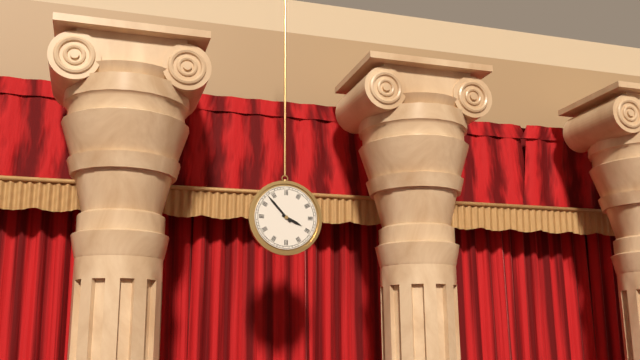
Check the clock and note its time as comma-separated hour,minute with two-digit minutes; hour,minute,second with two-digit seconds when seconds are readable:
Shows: 3,53
